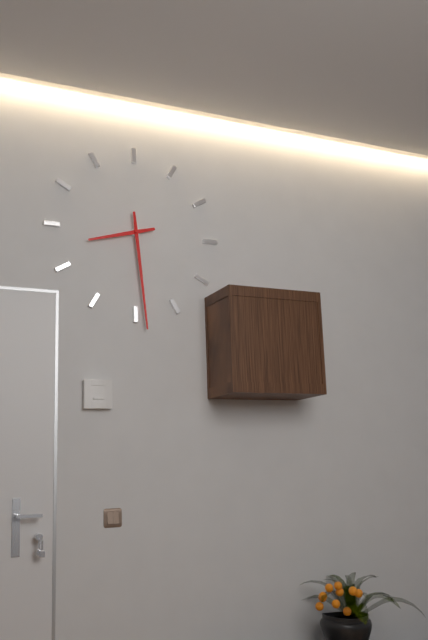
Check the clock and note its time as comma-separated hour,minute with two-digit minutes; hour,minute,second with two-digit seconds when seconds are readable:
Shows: 8,29
